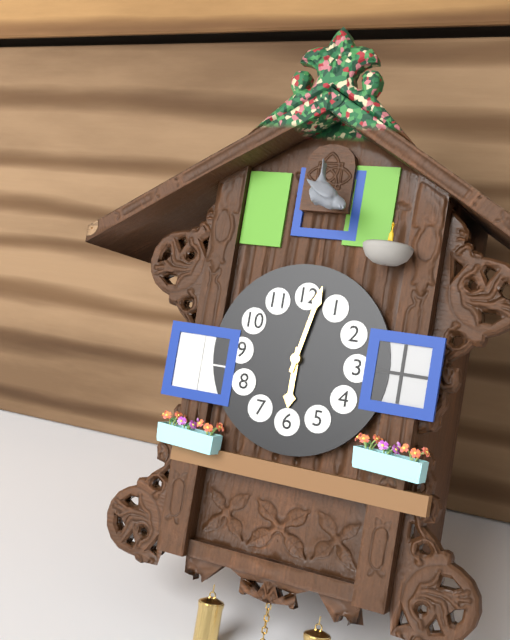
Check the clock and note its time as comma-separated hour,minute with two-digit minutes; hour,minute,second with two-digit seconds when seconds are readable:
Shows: 6,02
